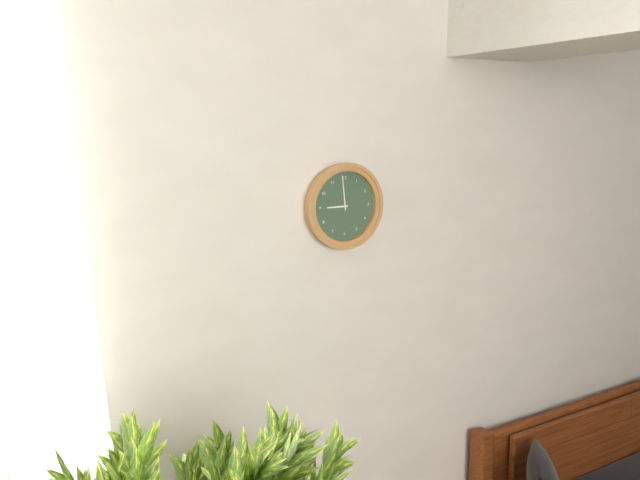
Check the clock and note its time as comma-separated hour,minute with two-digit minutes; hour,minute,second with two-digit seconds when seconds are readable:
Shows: 8,59
